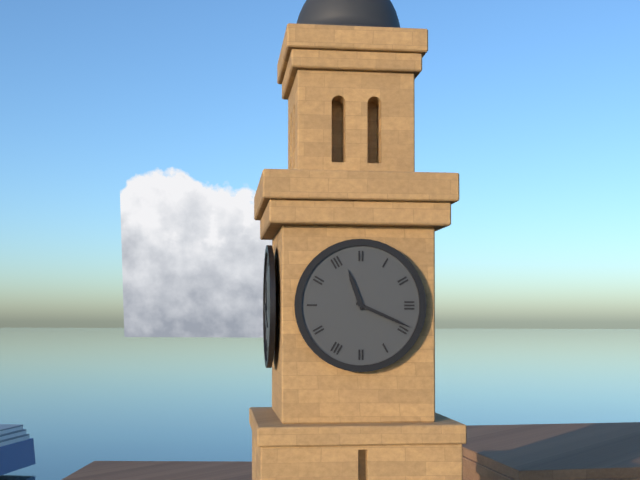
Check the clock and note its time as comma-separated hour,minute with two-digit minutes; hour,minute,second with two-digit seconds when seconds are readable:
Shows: 11,19
